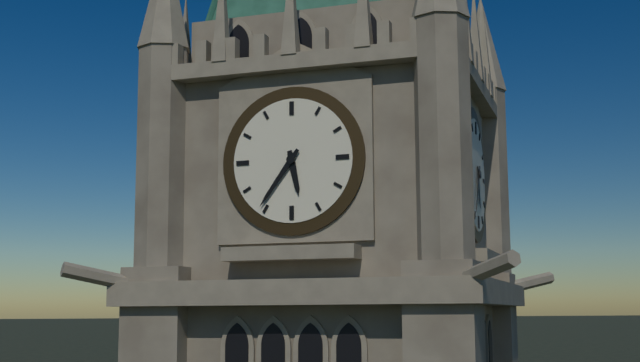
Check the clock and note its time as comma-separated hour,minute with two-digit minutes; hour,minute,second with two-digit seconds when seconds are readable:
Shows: 5,36
